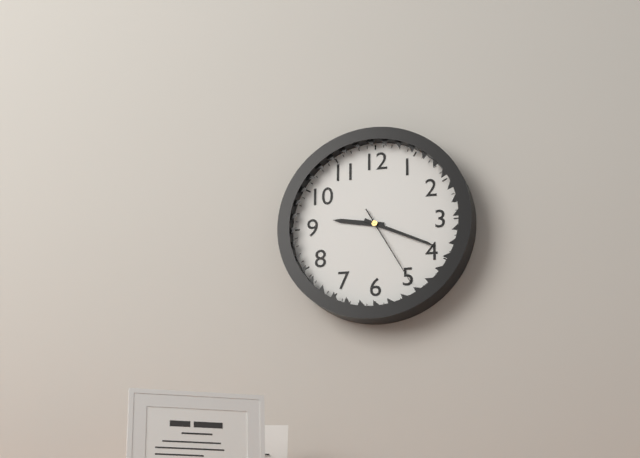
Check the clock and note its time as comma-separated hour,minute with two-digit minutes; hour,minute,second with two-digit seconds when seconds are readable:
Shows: 9,19,25
